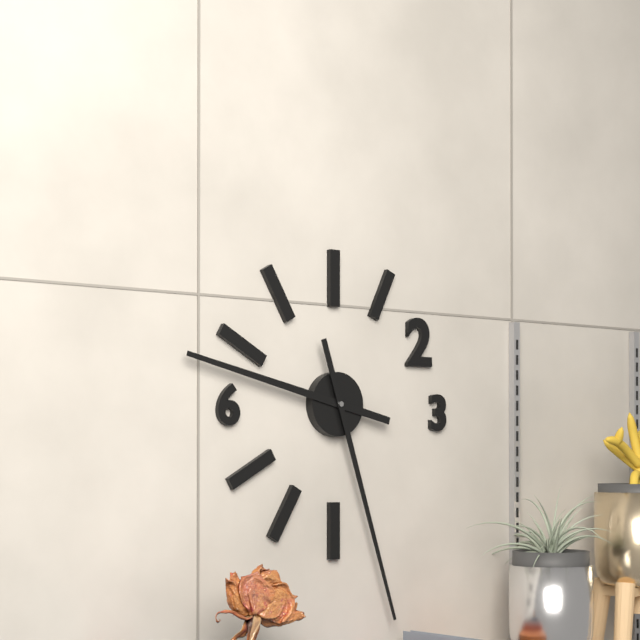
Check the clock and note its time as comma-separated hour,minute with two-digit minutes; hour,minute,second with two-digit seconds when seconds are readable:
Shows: 9,27
